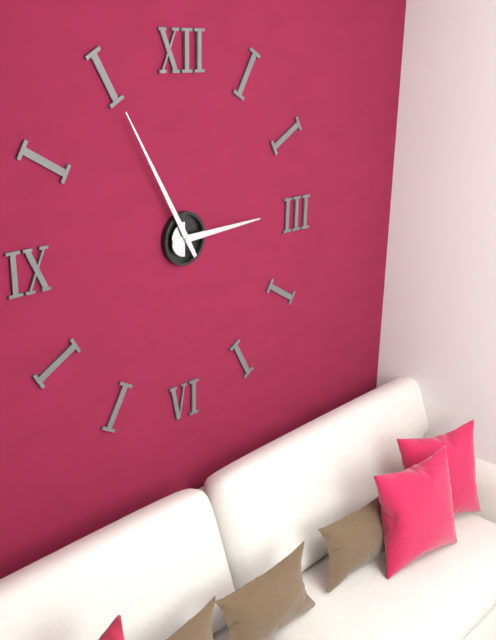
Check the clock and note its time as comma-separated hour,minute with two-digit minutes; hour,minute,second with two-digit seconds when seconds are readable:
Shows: 2,55
